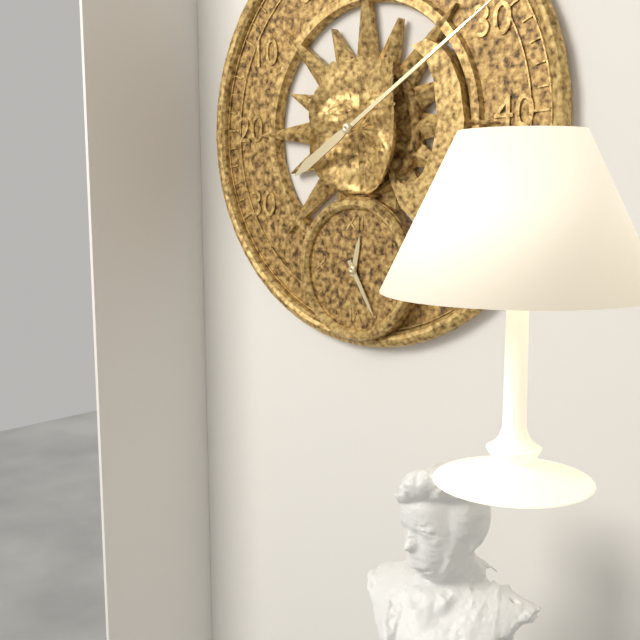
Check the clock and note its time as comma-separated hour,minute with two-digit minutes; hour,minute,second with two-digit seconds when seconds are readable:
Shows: 12,25
